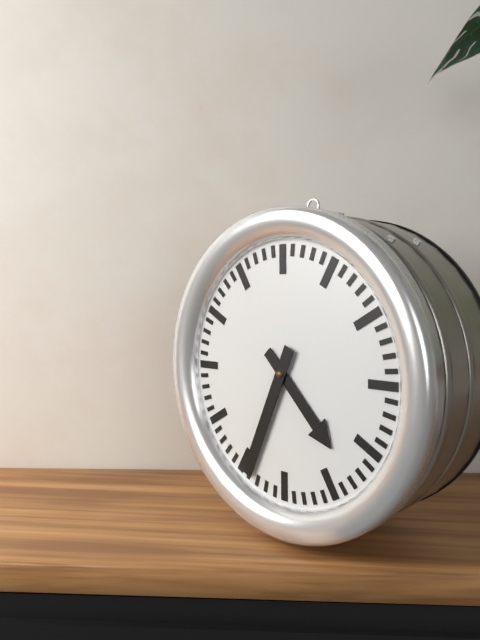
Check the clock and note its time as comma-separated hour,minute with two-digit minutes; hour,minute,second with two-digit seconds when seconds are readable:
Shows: 4,34
